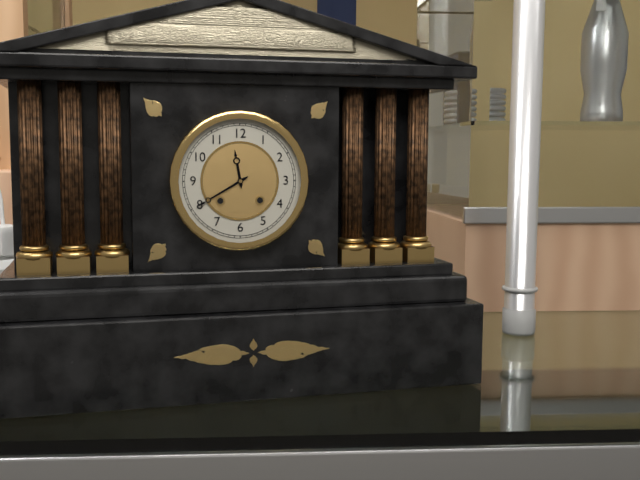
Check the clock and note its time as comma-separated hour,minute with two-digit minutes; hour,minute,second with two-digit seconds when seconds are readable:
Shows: 11,40
